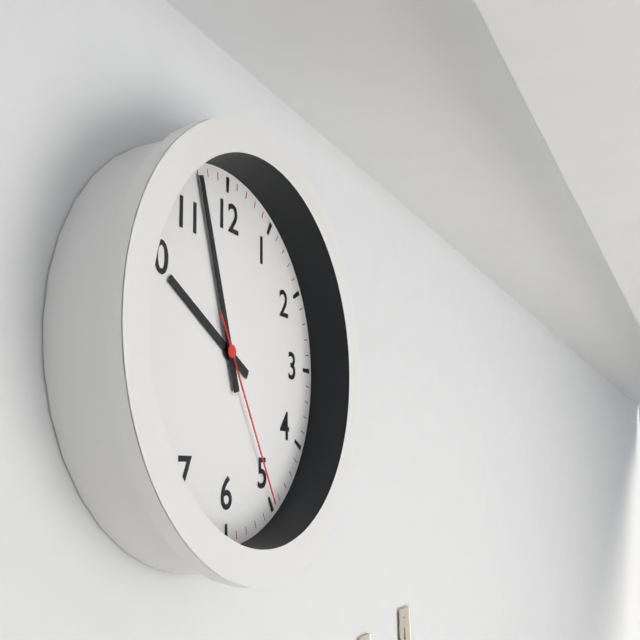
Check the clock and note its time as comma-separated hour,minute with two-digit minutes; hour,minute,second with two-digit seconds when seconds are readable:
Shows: 9,57,25
